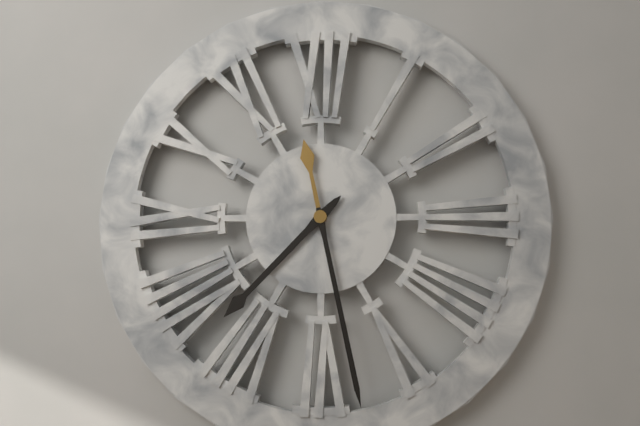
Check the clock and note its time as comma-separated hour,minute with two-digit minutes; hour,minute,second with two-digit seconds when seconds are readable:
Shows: 7,28
